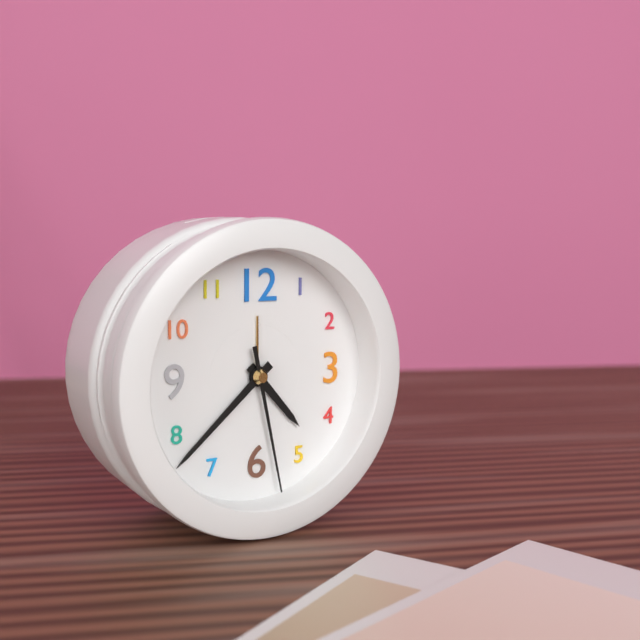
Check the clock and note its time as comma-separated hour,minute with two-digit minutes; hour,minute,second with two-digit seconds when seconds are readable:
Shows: 4,38,28
